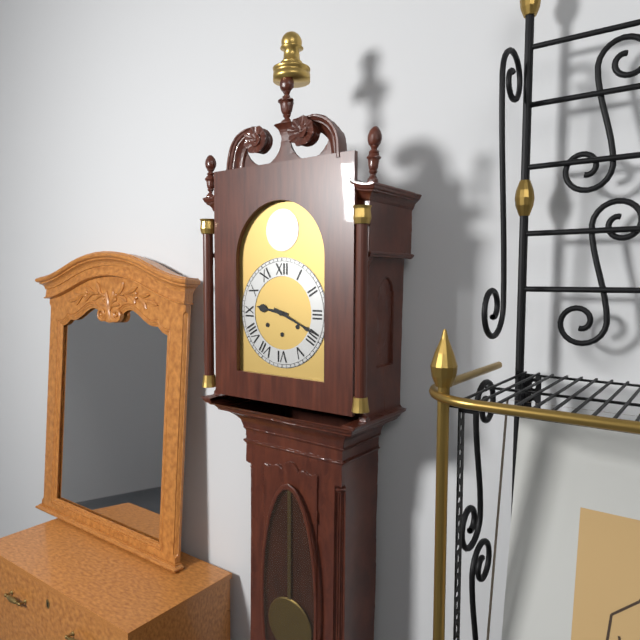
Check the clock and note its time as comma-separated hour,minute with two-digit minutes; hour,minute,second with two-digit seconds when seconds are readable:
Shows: 9,19
